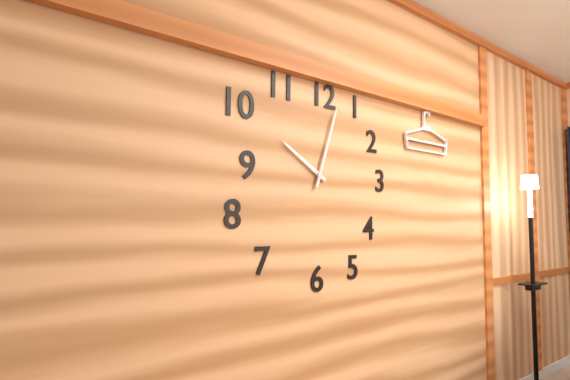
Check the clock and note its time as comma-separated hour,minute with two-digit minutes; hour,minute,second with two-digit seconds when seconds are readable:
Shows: 10,03
